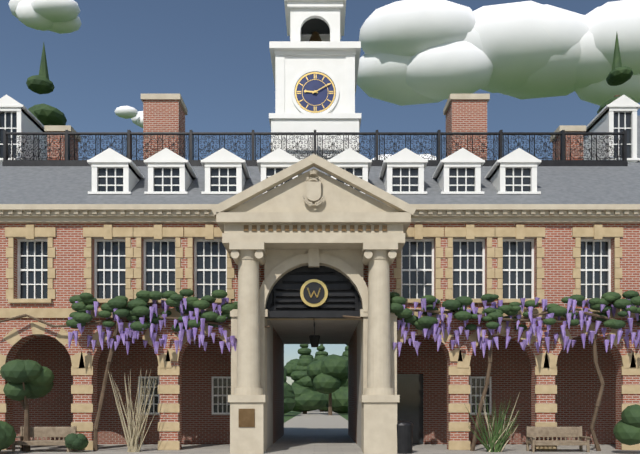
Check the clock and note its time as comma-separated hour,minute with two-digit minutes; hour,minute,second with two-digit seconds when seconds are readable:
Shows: 9,10
